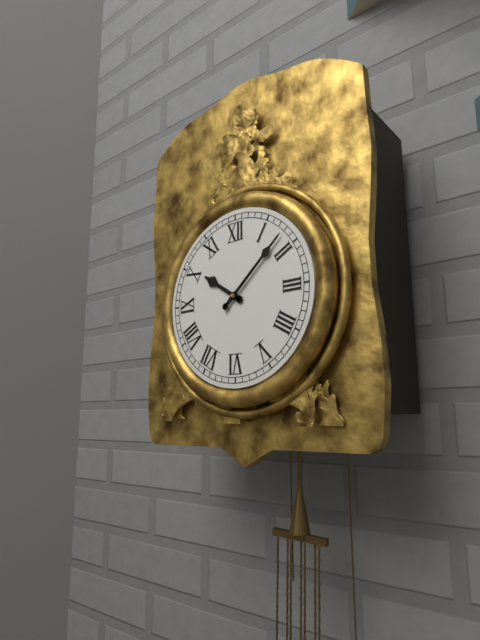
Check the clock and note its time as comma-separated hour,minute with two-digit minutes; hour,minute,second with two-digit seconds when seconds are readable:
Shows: 10,08
